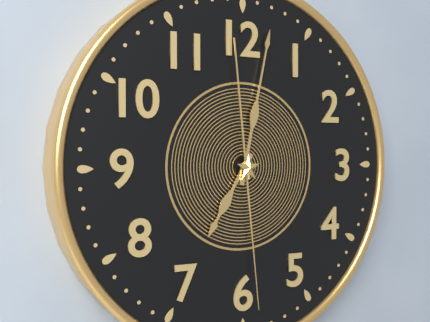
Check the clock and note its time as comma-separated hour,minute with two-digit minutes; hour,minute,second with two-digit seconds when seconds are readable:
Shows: 7,02,29
